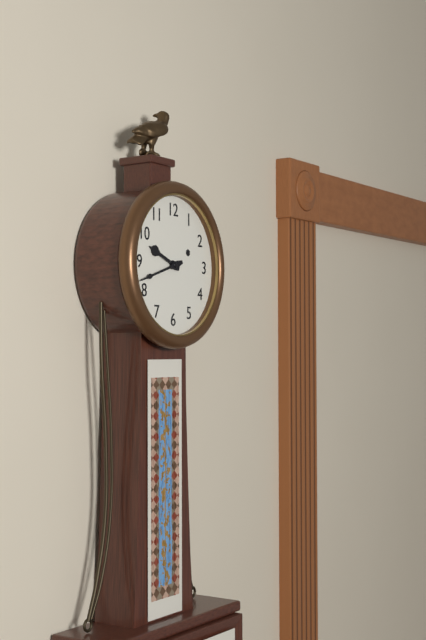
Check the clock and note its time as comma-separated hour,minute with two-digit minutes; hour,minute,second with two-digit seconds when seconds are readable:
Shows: 9,42
